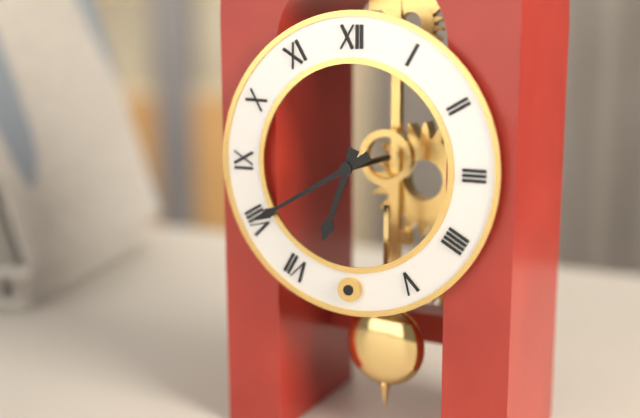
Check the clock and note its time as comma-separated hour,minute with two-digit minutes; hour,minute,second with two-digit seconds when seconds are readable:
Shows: 6,40
